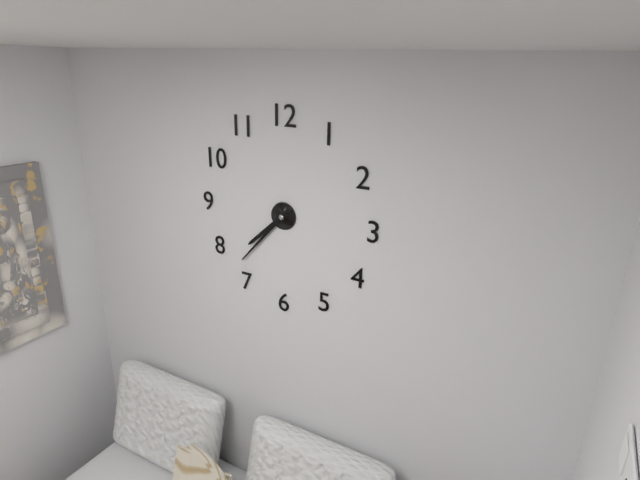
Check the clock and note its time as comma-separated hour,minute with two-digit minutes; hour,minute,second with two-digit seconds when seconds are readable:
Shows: 7,37
